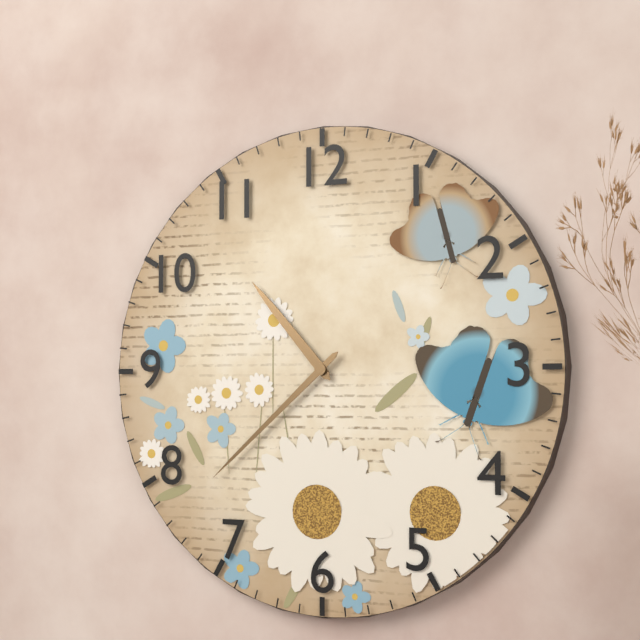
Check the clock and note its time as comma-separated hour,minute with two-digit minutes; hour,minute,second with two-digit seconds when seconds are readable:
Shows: 10,38
